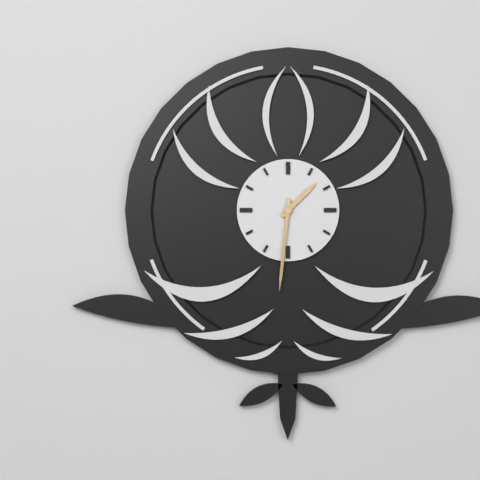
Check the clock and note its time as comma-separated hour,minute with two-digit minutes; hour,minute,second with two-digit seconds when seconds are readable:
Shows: 1,31
